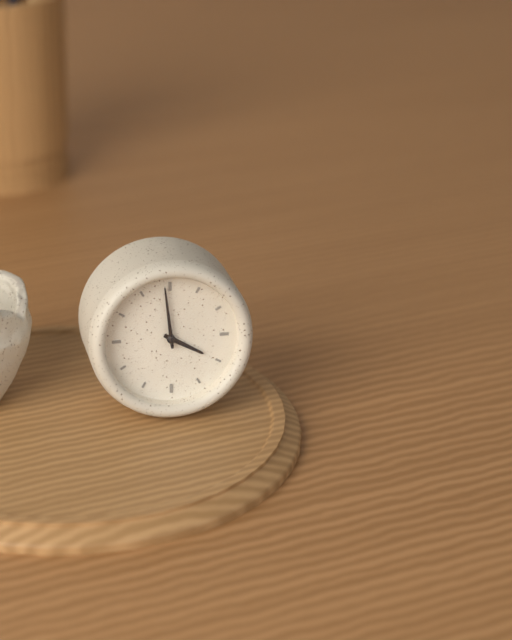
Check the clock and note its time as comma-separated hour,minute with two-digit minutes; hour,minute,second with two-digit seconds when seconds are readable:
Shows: 3,59
